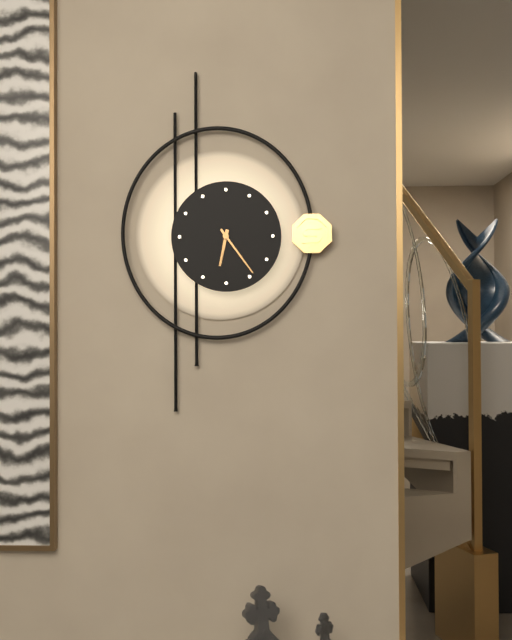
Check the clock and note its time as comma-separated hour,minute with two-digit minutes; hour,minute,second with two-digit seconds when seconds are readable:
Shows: 6,24
